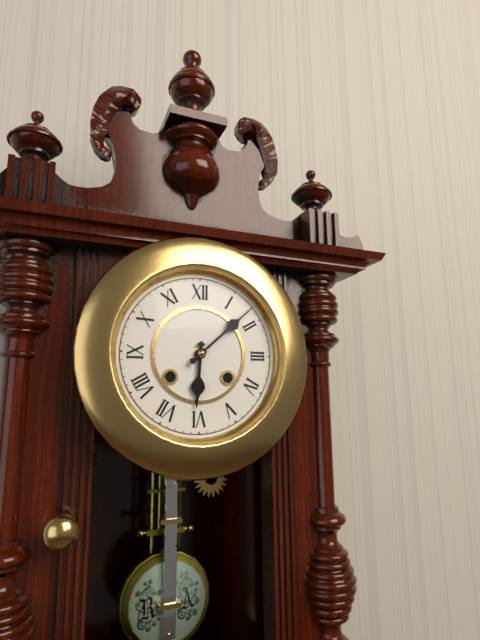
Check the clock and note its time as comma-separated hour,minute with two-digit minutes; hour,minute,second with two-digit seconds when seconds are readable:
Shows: 6,08
